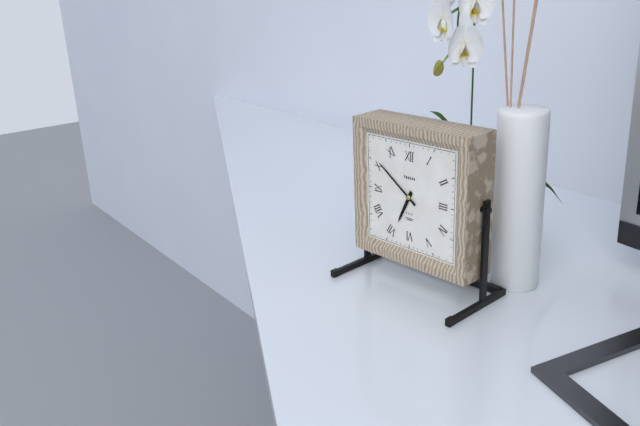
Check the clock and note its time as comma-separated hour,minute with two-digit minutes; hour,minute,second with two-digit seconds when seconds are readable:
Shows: 6,51
